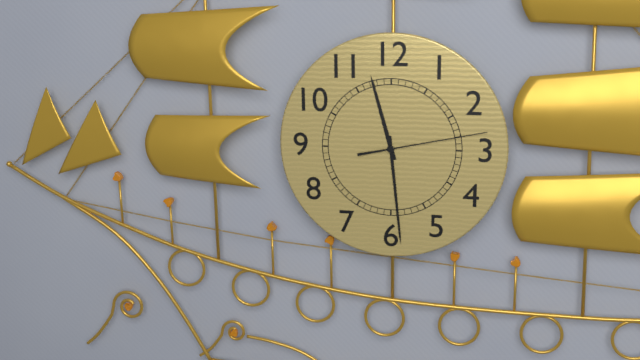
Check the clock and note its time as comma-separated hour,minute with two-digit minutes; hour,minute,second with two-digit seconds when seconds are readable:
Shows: 11,29,13
